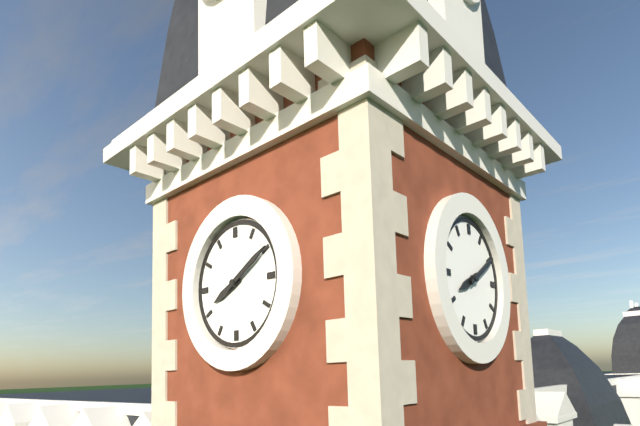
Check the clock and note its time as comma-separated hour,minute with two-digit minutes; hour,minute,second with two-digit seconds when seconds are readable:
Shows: 8,10
